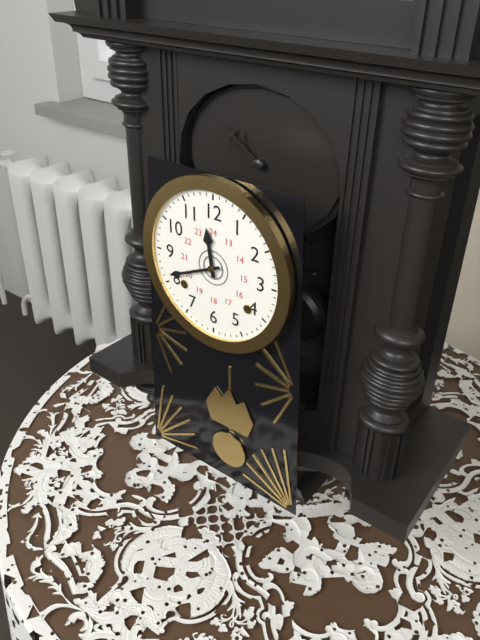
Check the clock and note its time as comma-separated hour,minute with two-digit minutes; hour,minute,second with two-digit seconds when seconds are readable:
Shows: 11,41
